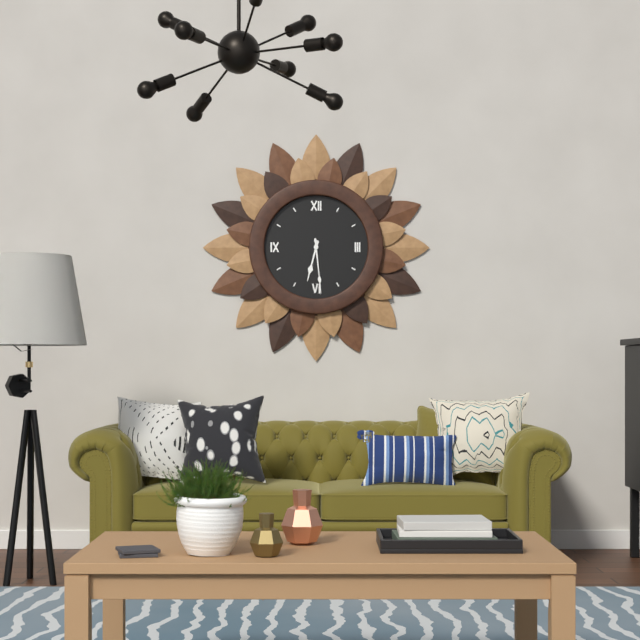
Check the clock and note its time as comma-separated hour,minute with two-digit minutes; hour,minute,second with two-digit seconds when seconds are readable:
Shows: 6,29
